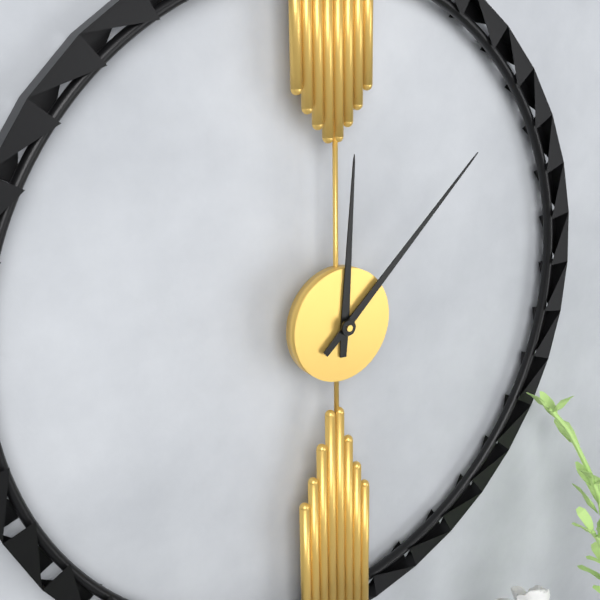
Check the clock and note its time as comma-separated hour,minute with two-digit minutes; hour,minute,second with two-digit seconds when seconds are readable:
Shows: 12,08
